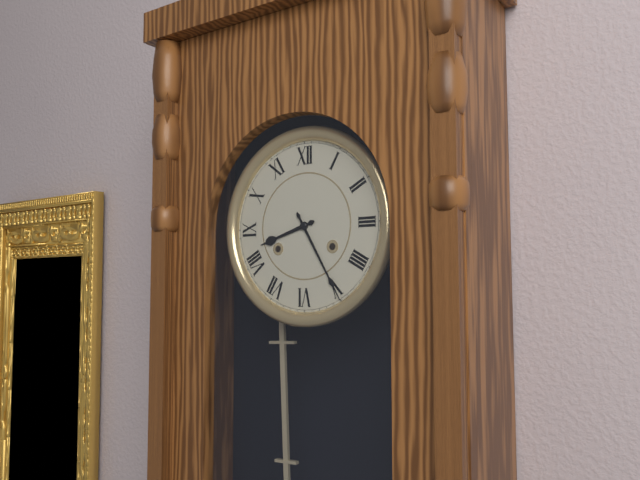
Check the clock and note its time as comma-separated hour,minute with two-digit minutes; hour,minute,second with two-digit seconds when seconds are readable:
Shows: 8,25
